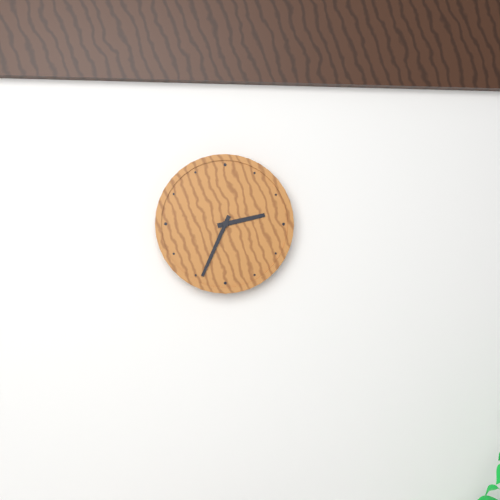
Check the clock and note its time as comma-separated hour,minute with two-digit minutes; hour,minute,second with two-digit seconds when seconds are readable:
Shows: 2,34
